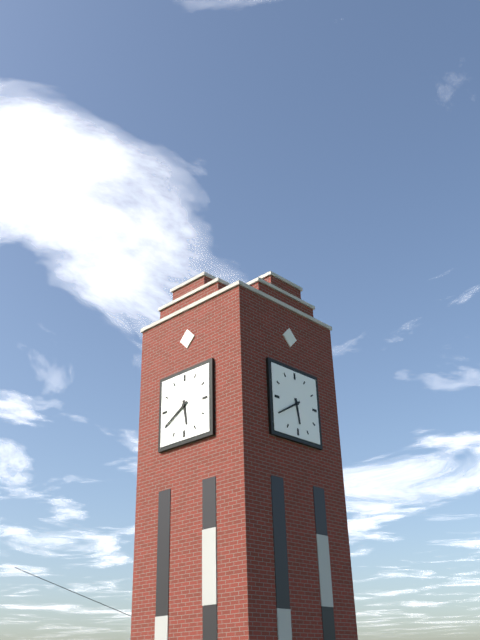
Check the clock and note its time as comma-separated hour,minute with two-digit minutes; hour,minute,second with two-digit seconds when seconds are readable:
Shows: 5,40
